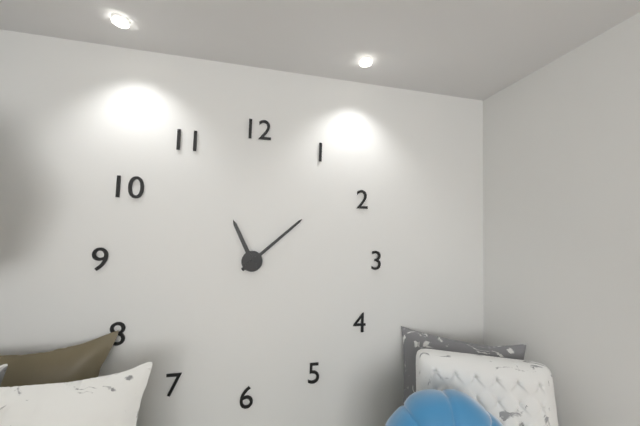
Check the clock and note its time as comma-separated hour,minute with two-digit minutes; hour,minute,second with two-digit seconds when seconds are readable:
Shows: 11,08
